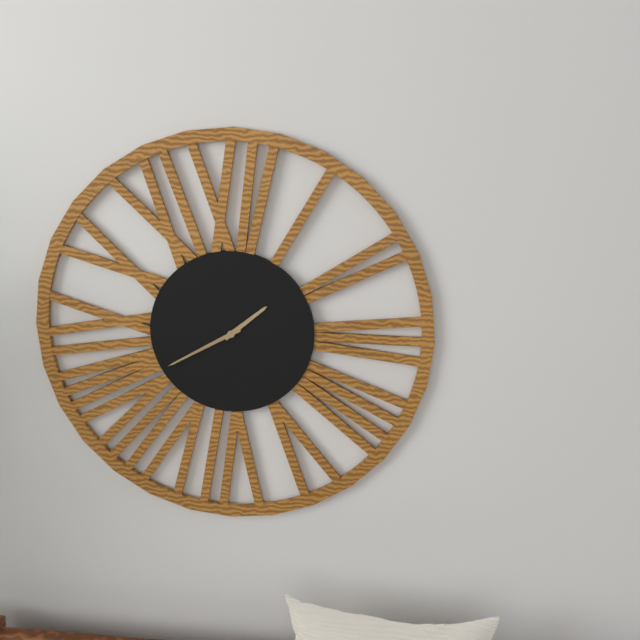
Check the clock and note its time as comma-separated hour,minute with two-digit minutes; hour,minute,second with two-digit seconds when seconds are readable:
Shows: 1,40
